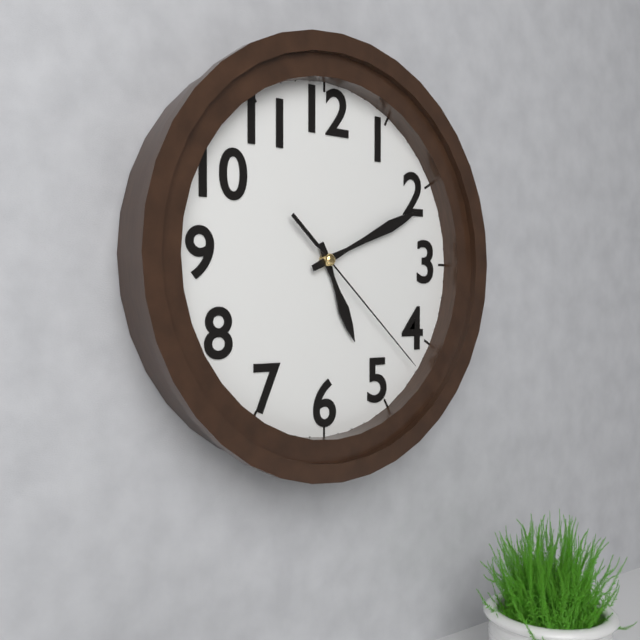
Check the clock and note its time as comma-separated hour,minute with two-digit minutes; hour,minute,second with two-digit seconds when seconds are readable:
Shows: 5,11,22
